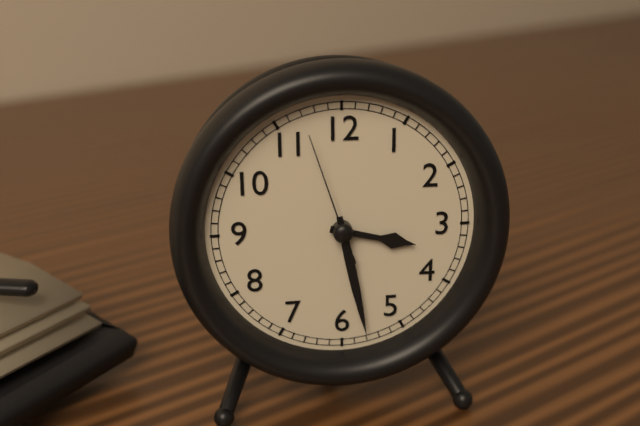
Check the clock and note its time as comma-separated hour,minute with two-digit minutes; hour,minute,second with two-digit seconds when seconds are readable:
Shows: 3,28,57
